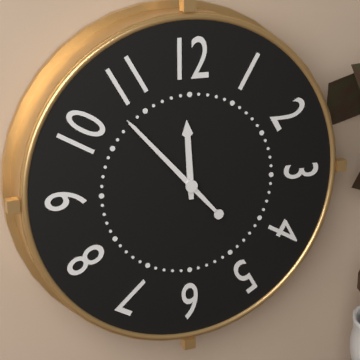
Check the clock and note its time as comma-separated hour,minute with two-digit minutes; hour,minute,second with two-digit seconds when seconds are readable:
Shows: 11,53
